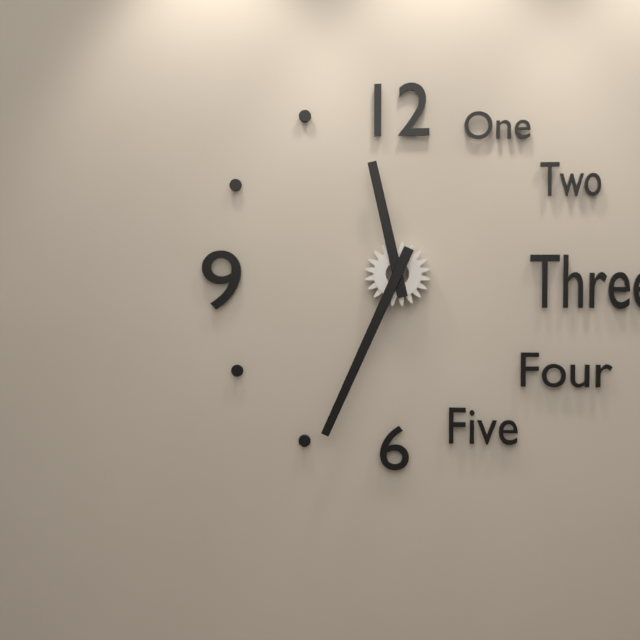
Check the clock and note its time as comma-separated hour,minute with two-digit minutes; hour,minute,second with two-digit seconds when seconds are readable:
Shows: 11,34
